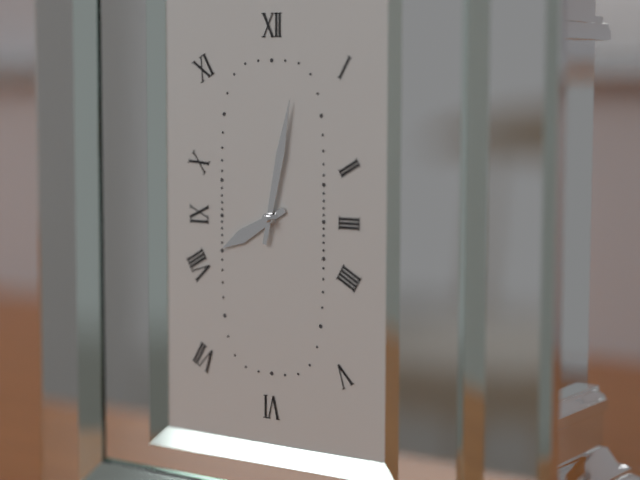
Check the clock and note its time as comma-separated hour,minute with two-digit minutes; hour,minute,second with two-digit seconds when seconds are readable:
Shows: 8,02
